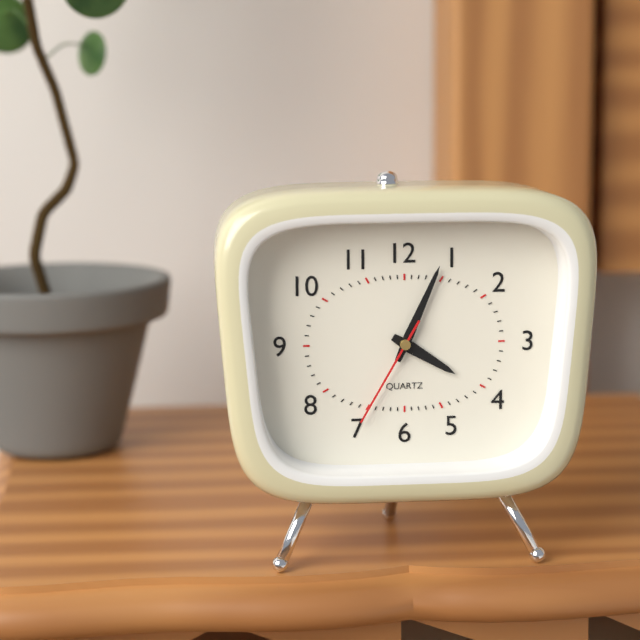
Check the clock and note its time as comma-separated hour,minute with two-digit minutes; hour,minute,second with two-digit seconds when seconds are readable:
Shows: 4,04,35
